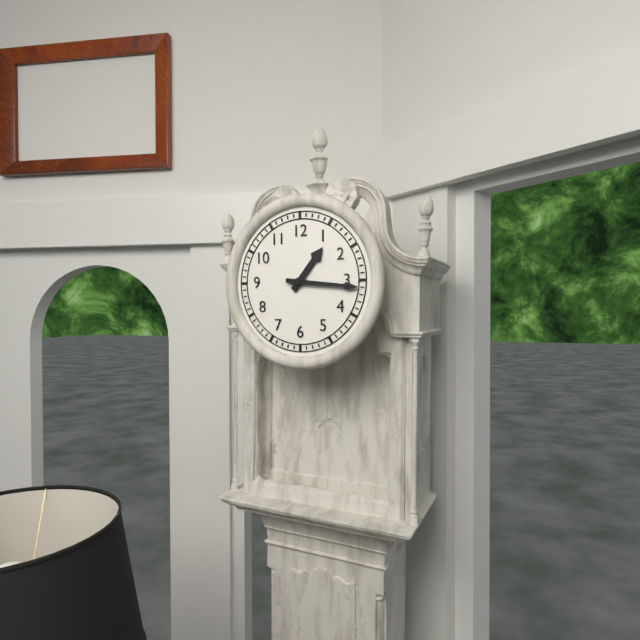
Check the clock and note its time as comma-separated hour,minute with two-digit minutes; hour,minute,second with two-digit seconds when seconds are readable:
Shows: 1,16
